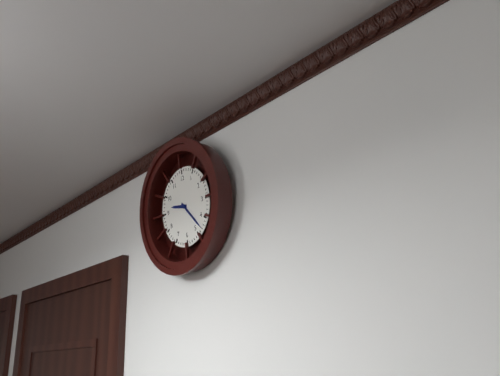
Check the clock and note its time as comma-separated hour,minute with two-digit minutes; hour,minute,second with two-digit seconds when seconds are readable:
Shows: 9,23
